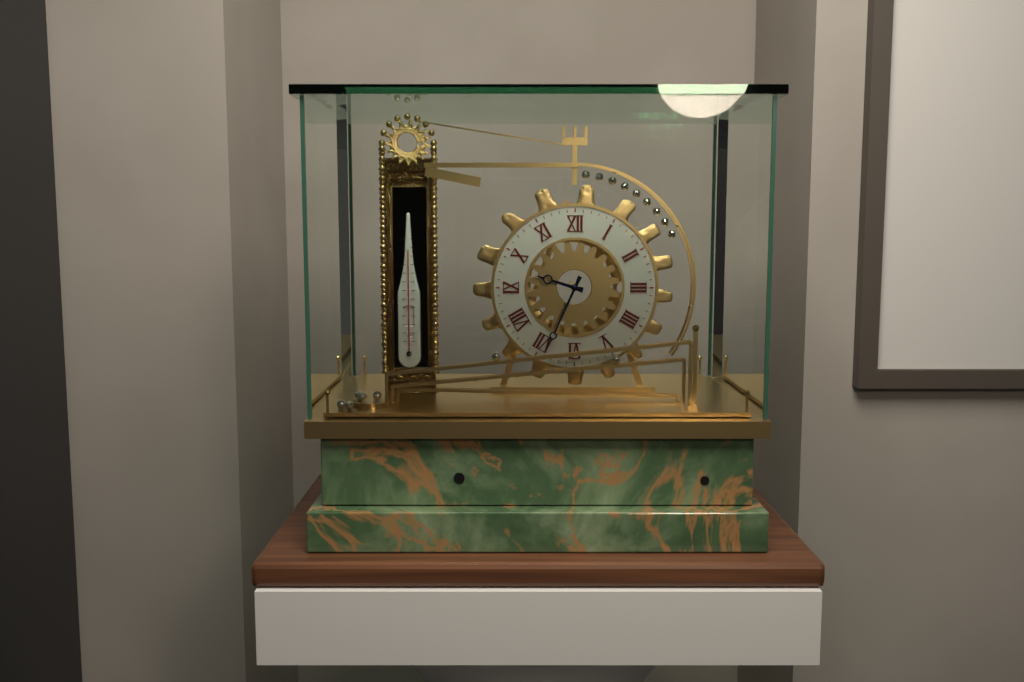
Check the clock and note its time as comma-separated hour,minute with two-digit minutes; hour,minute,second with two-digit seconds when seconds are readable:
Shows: 9,34
